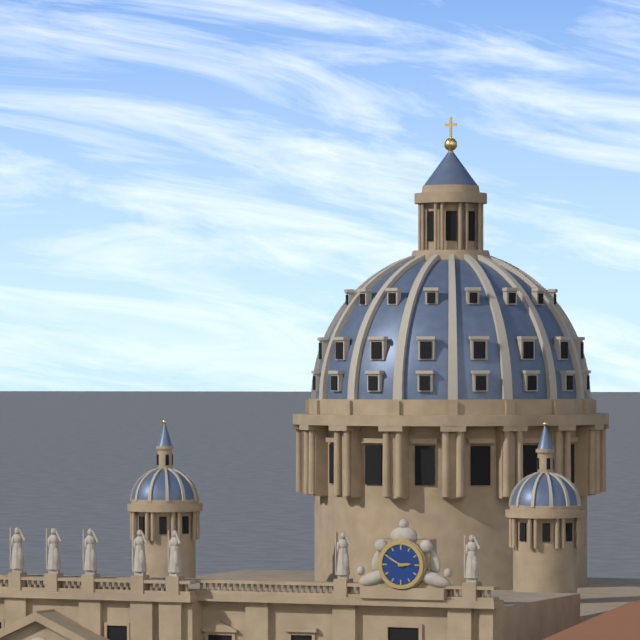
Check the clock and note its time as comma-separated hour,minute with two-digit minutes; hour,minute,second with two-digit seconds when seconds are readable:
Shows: 2,50
